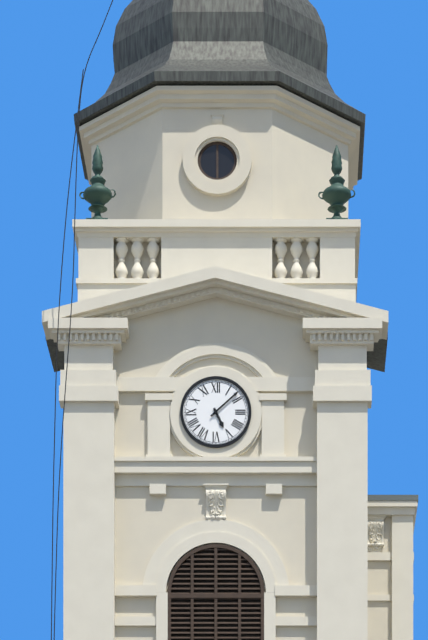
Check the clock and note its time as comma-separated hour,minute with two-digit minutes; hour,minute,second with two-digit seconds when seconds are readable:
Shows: 5,08
